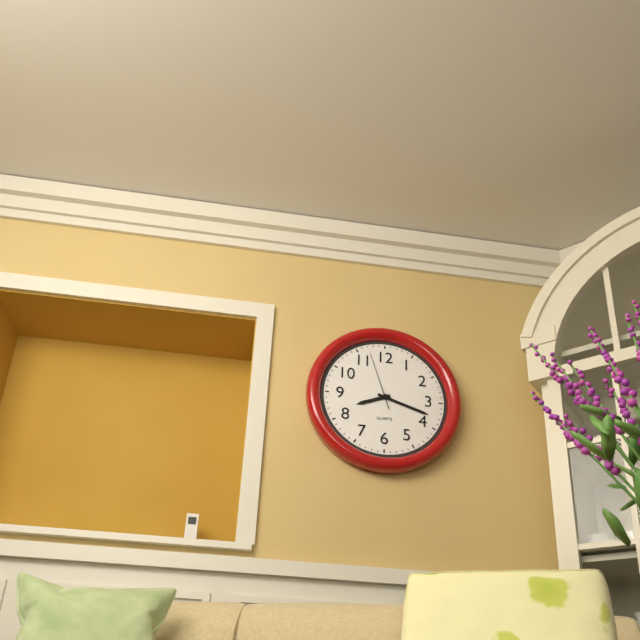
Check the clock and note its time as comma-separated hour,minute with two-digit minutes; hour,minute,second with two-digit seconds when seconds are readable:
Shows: 8,18,57
